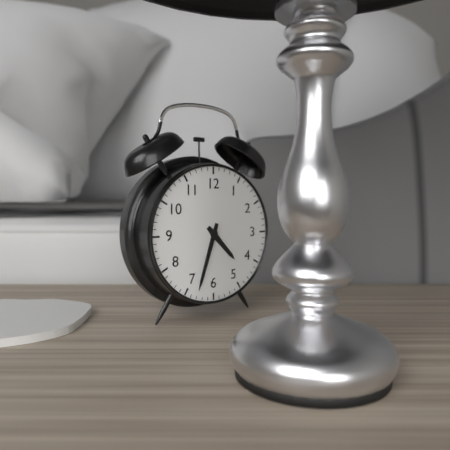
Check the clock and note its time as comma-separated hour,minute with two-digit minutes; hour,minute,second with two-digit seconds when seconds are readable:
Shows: 4,33
